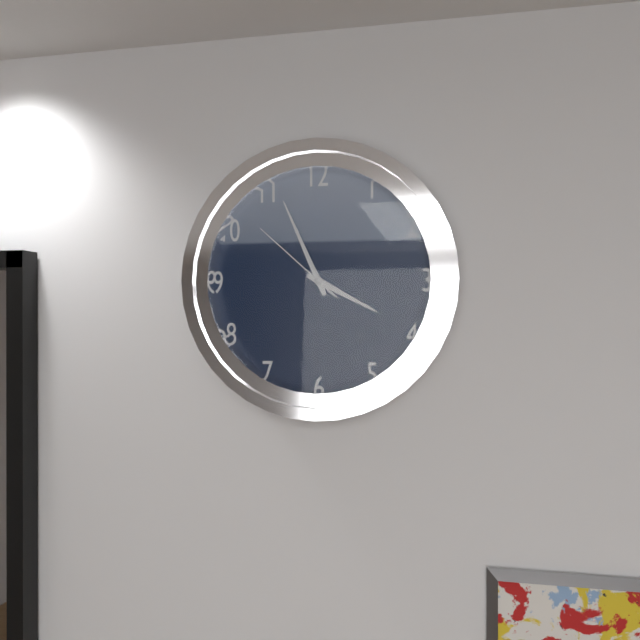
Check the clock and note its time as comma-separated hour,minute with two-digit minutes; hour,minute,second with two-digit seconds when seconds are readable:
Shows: 3,56,52
